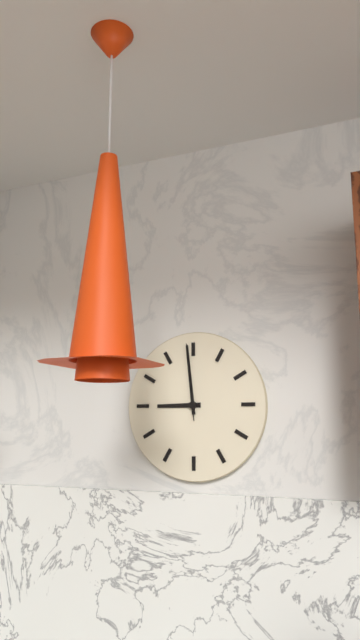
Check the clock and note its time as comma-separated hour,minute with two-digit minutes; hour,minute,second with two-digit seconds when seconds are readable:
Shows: 8,59,59
